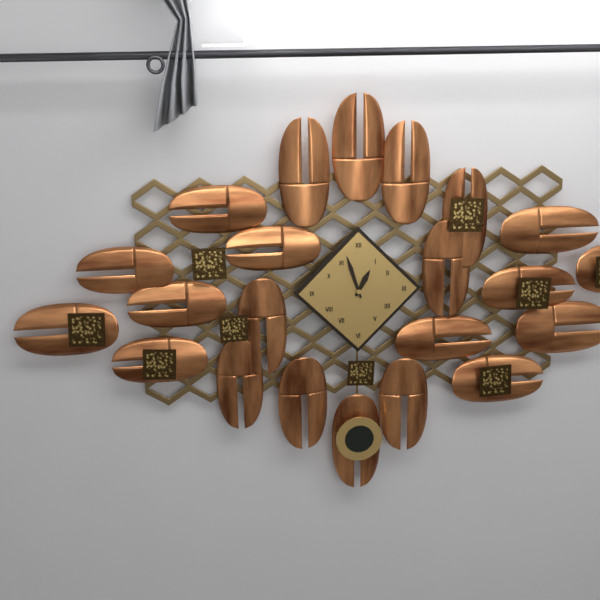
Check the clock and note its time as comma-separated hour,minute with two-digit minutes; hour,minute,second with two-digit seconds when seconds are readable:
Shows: 12,57
